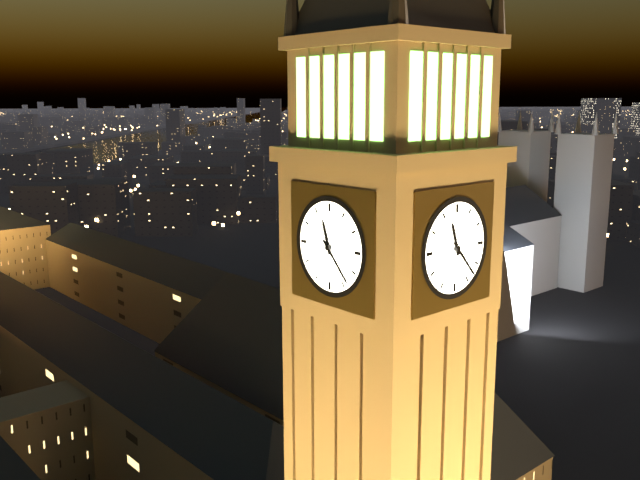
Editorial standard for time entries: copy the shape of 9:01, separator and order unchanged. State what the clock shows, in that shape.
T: 11:23
